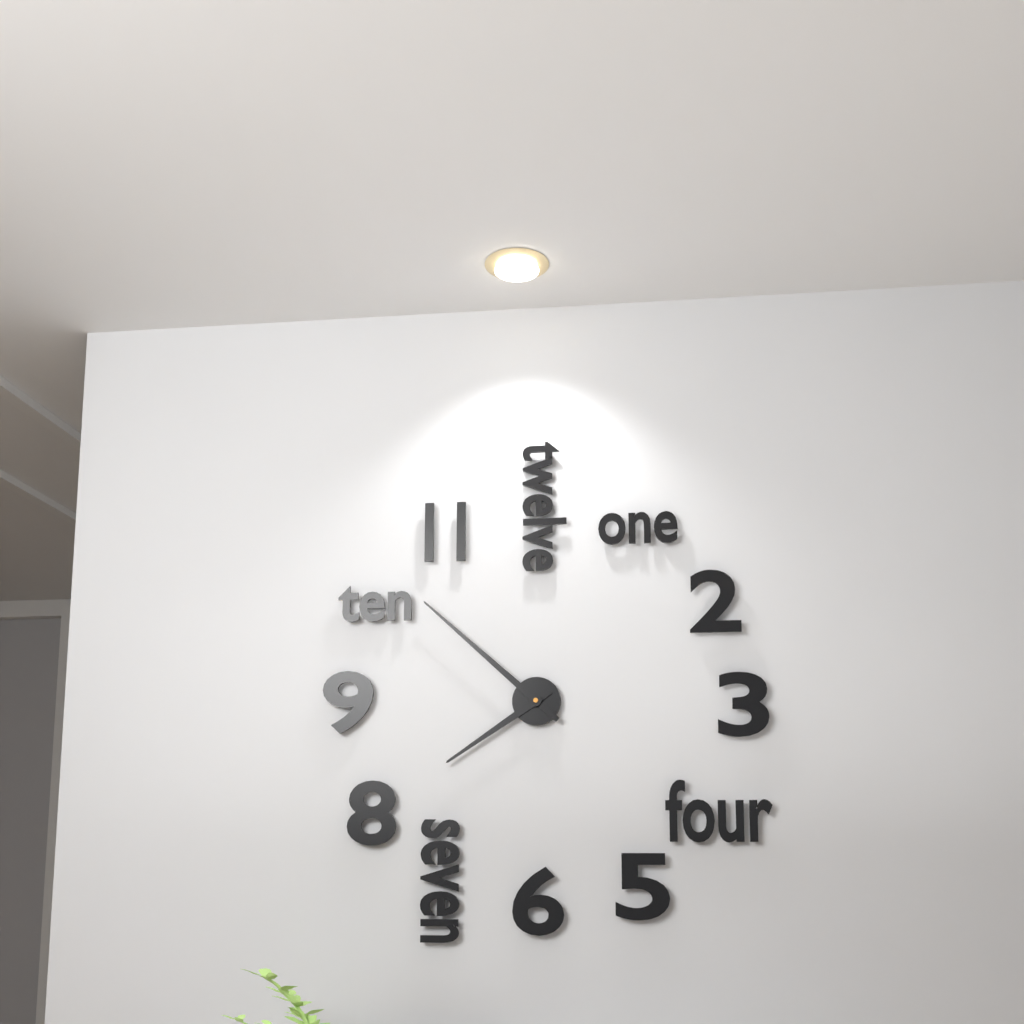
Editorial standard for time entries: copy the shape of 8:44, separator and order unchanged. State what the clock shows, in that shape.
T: 7:52
